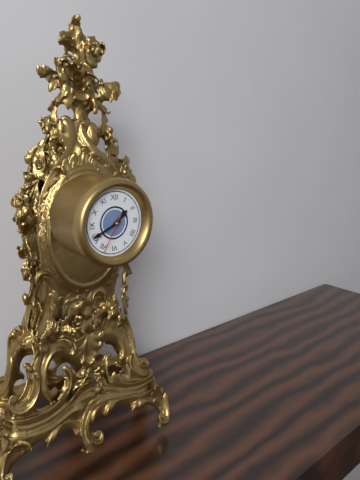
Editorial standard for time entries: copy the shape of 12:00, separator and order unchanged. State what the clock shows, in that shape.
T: 1:41
